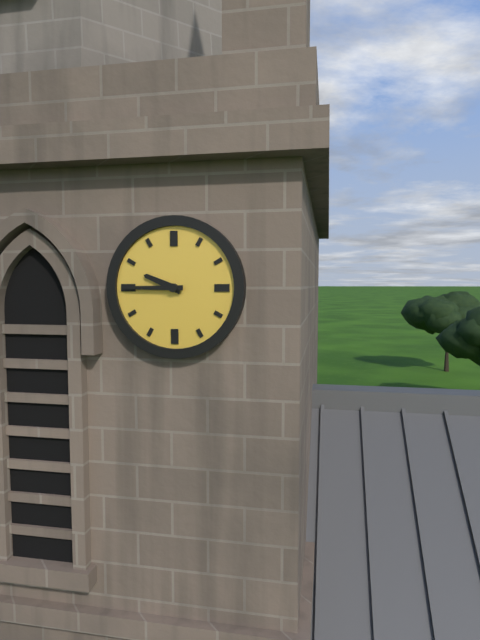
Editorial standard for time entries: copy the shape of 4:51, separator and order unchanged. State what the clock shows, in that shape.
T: 9:45
